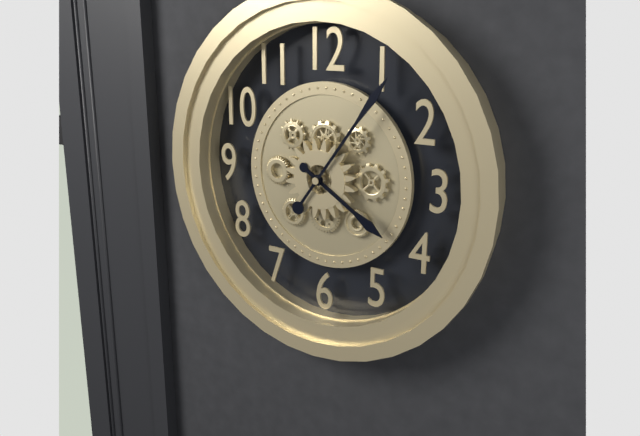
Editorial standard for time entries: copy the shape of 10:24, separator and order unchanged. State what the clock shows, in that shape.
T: 4:06
